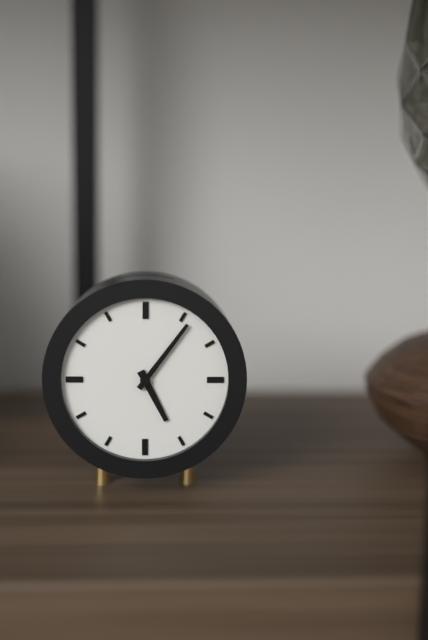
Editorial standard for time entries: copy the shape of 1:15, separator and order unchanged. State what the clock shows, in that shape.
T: 5:06
